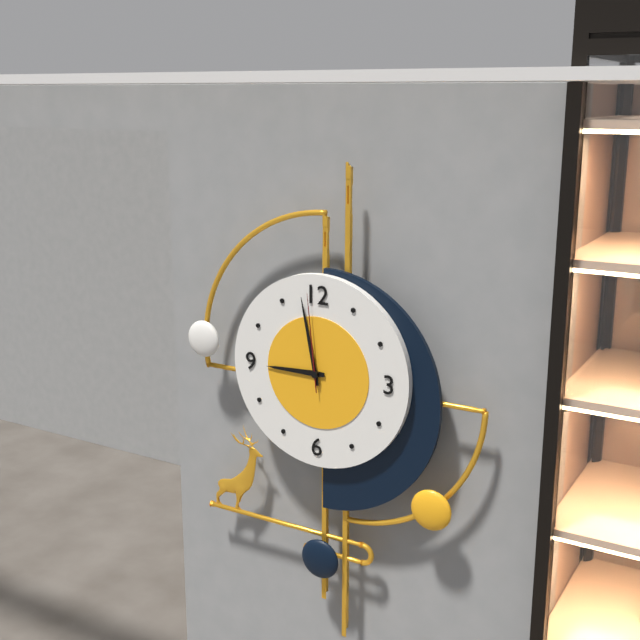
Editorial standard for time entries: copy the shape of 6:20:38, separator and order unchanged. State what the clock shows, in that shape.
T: 8:58:59
